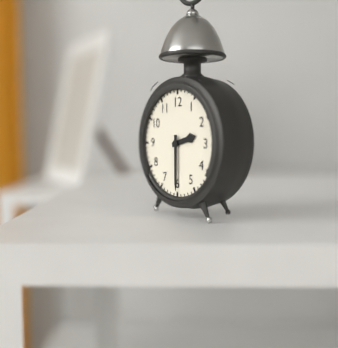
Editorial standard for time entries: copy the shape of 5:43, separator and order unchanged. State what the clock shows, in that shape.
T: 2:30
